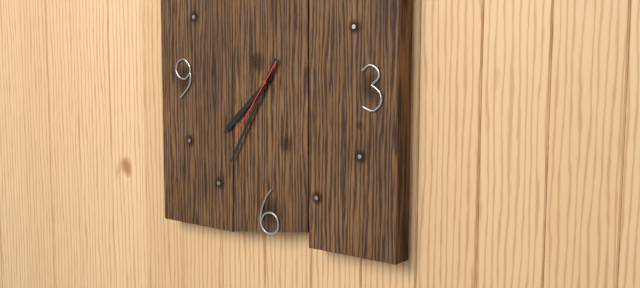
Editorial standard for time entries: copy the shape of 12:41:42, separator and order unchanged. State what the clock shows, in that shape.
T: 7:35:36
